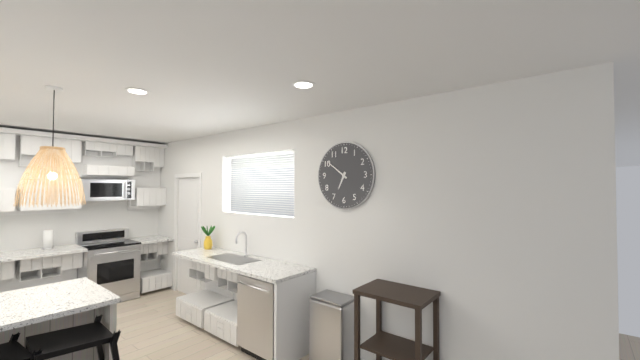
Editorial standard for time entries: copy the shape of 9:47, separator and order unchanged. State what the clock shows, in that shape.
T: 6:51
